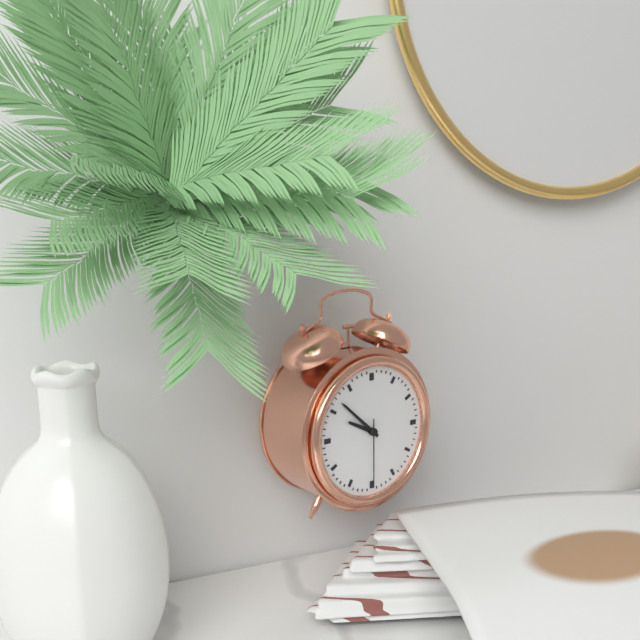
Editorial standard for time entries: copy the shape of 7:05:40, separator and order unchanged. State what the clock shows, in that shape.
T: 9:52:30
